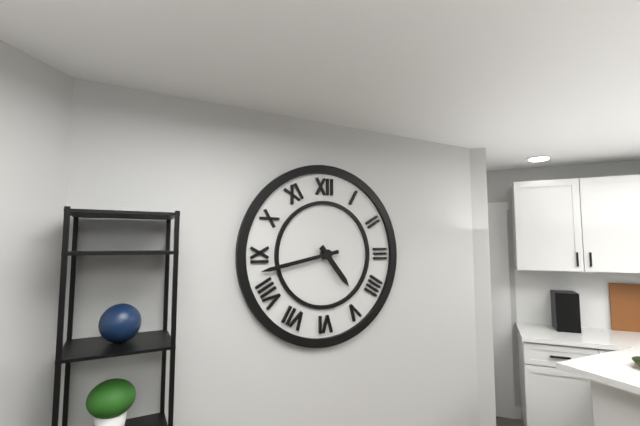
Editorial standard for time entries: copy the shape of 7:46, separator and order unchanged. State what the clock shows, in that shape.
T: 4:43
